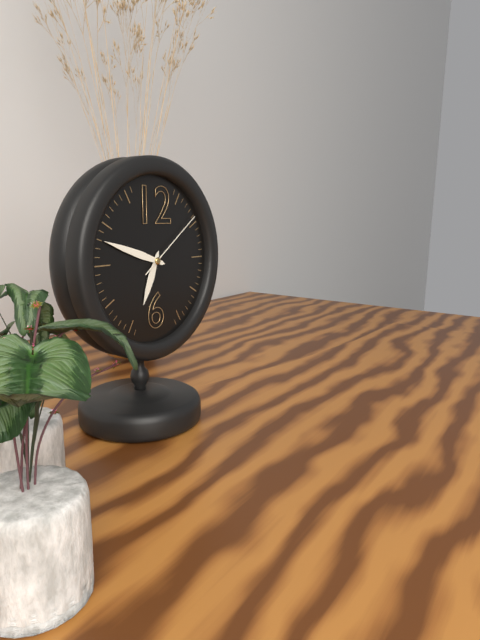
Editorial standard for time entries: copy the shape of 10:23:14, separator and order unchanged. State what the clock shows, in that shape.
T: 6:48:09
